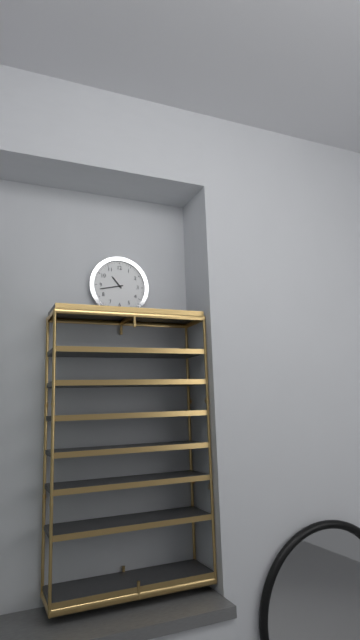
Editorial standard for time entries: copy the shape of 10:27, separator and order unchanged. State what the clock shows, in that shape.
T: 10:43
